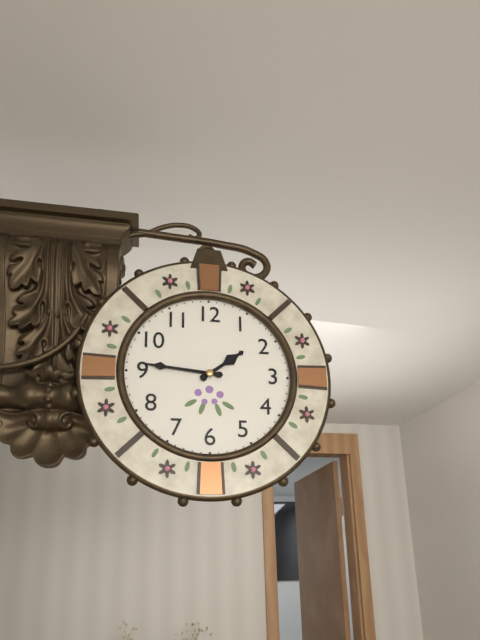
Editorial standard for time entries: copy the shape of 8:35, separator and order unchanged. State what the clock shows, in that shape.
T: 1:46
